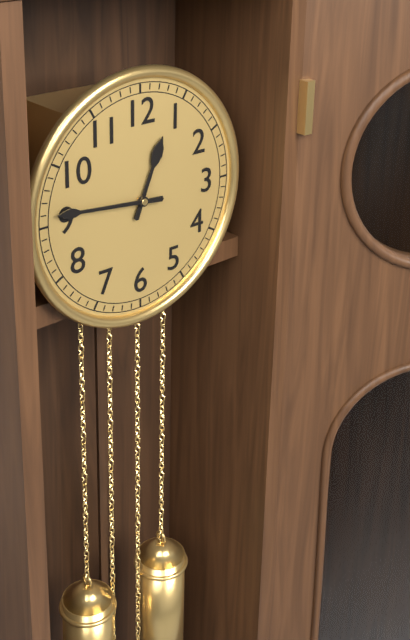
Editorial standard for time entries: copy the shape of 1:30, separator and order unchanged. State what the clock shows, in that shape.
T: 12:46
